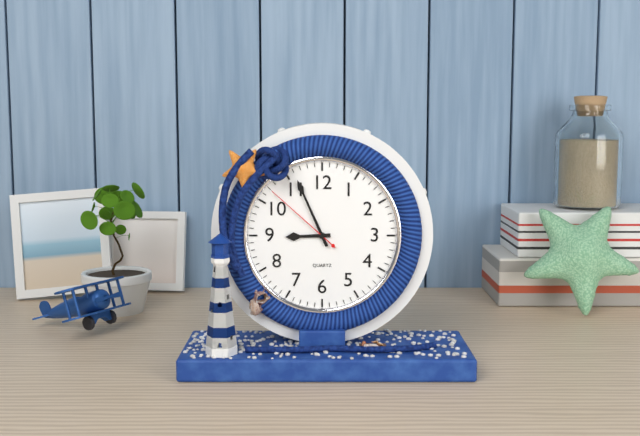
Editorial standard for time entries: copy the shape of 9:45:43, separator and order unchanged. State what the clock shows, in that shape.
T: 8:56:52
